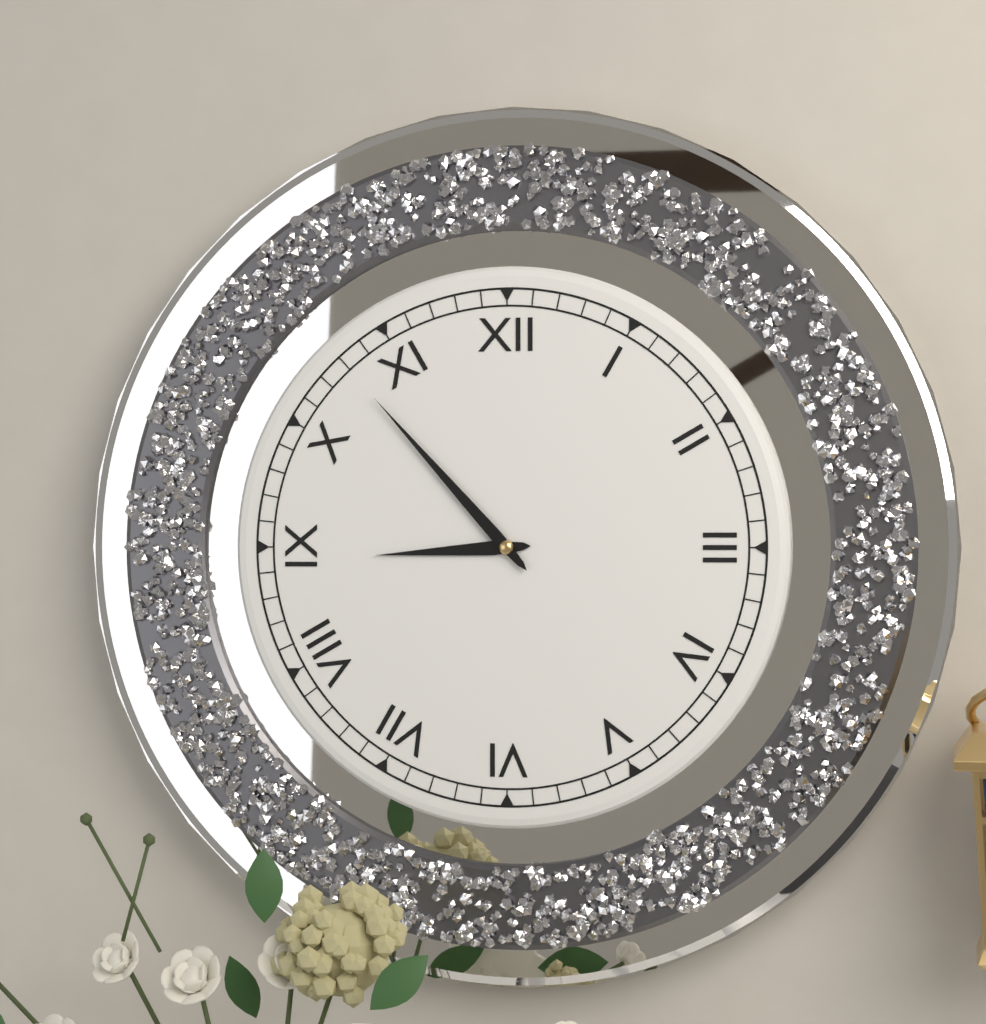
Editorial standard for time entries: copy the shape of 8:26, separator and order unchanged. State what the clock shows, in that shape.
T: 8:53
